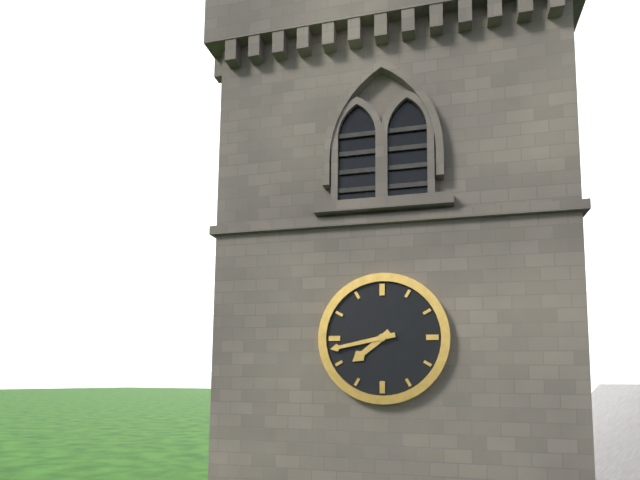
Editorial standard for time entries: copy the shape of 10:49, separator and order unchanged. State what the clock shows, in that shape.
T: 7:43
